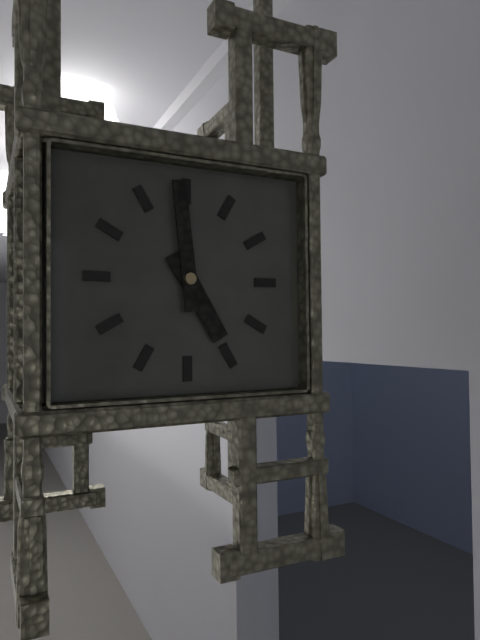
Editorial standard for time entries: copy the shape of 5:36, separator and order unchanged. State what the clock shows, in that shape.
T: 4:59
